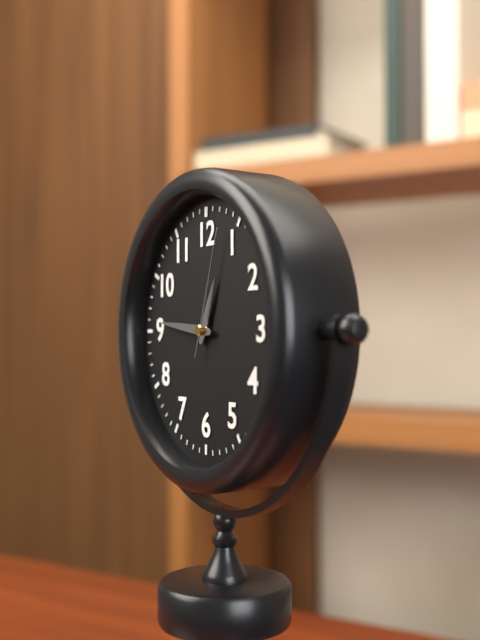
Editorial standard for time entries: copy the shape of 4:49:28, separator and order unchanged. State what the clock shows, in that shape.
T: 12:46:03
